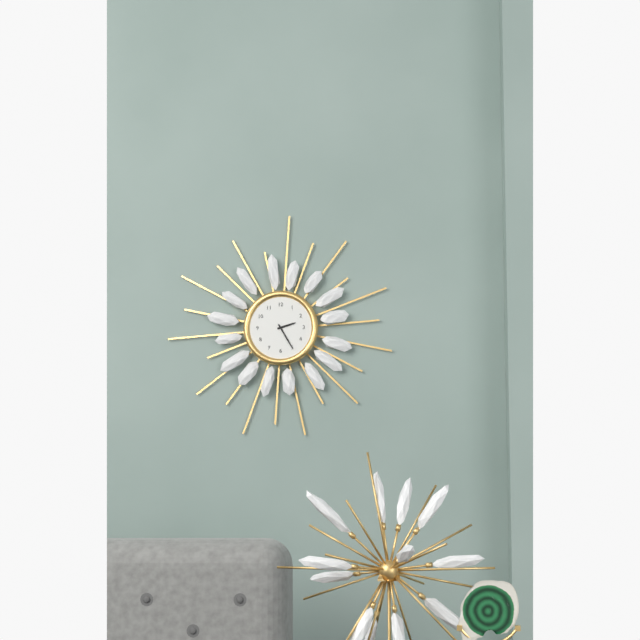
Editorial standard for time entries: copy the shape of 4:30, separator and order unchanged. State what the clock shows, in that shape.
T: 2:25
